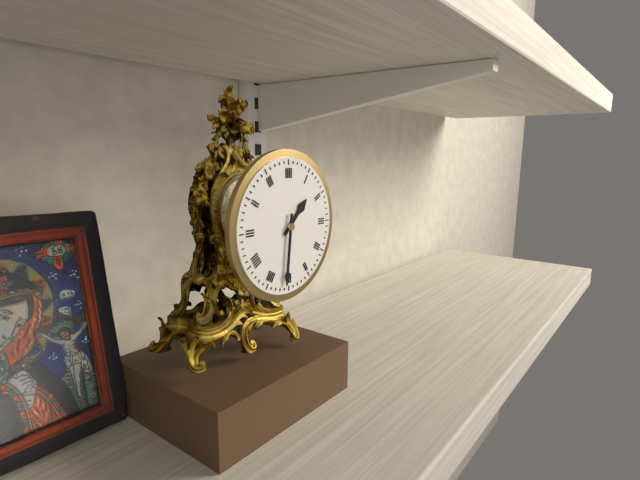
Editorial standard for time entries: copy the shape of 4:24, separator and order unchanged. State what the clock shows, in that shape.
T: 1:31
